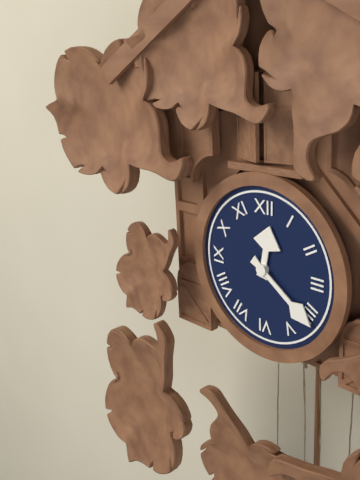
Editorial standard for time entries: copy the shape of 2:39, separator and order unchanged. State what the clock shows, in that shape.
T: 12:21
